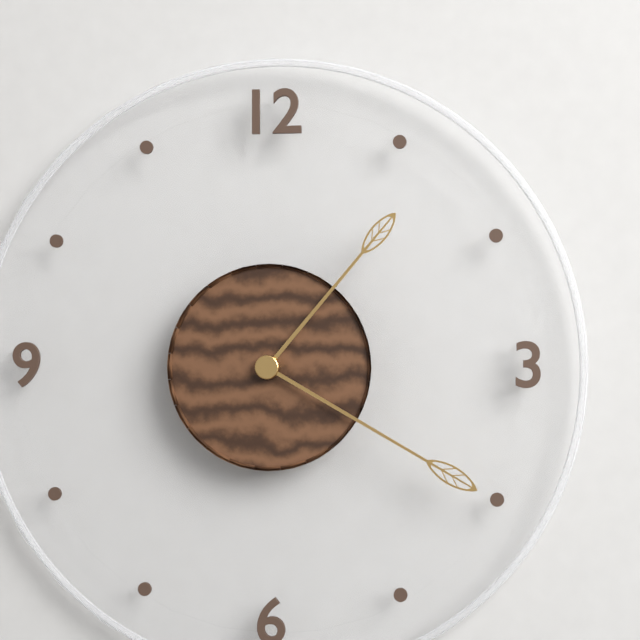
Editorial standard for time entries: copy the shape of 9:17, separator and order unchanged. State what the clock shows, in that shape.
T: 1:20
